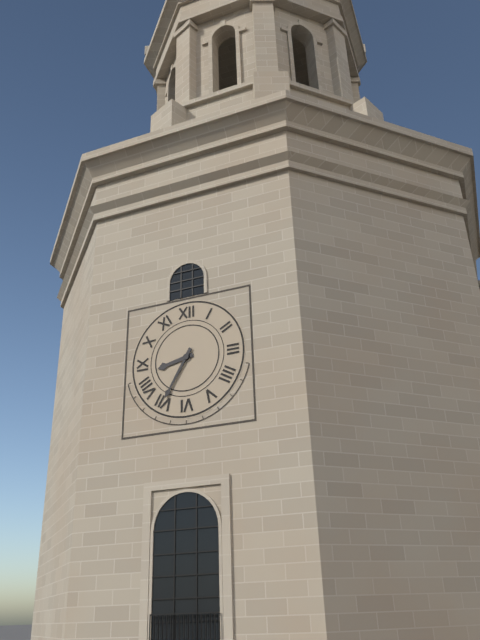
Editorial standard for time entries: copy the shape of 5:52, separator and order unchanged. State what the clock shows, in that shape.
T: 8:35
